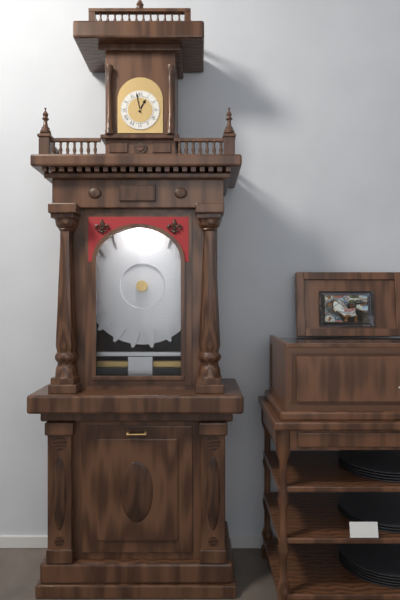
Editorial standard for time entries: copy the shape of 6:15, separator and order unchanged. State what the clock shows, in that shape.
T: 12:58
